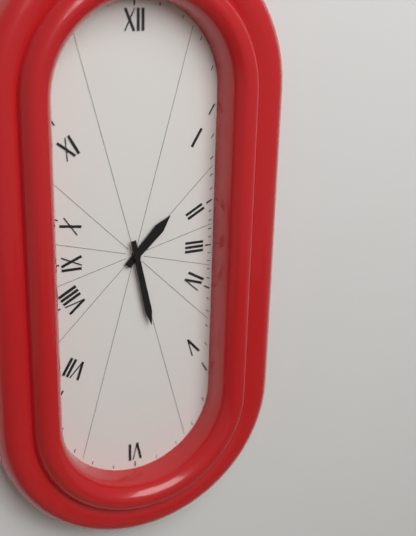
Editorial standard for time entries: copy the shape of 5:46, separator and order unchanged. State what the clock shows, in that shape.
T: 1:28
